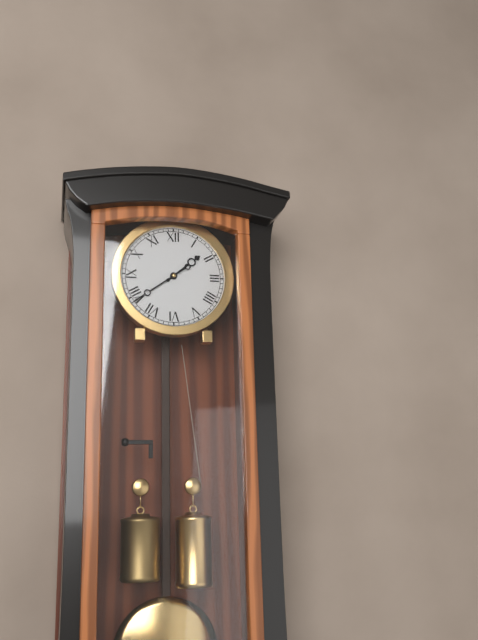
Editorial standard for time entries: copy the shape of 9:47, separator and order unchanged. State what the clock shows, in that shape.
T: 1:39
